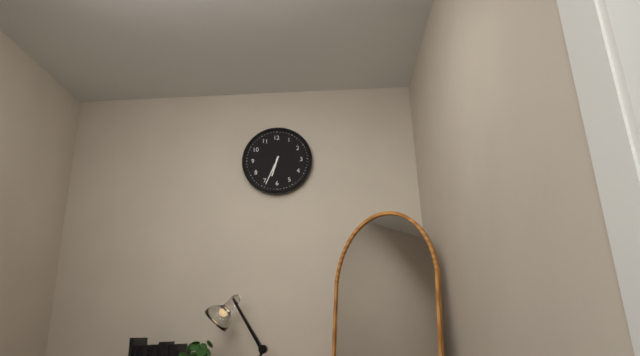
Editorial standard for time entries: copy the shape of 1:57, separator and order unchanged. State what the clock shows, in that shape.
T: 6:34
